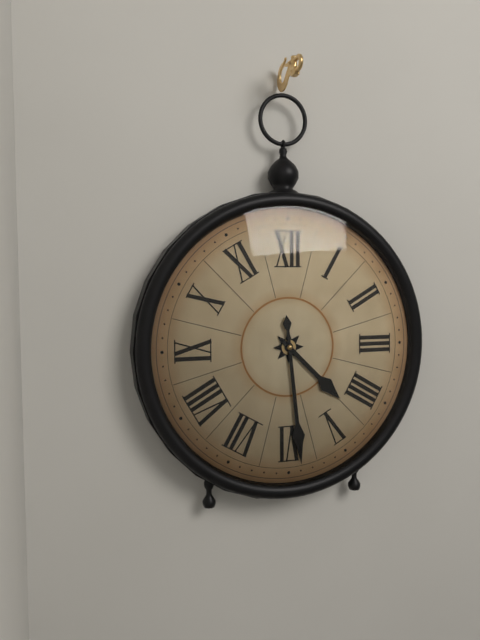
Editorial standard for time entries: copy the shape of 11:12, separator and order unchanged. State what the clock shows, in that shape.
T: 4:29
